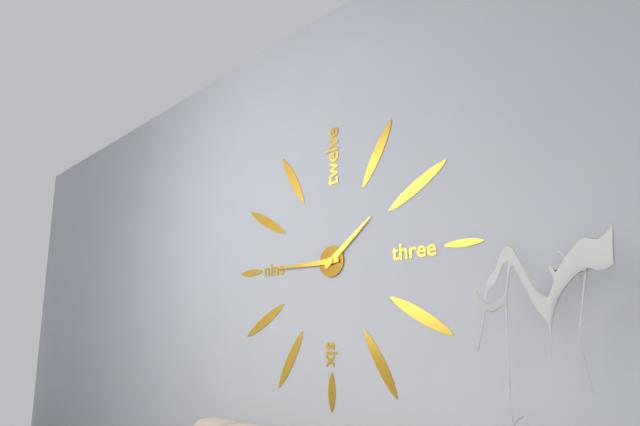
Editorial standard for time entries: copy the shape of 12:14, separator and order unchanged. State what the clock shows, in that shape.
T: 1:45
